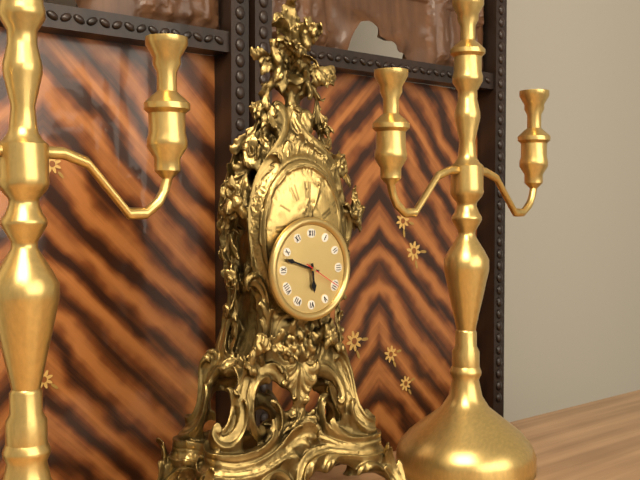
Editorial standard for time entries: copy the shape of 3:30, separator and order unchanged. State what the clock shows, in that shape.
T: 5:48
